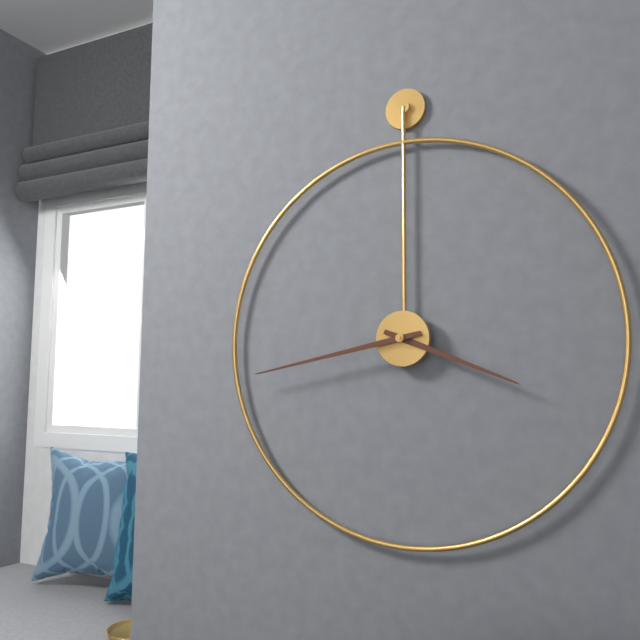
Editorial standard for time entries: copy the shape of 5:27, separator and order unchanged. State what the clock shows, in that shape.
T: 3:43
